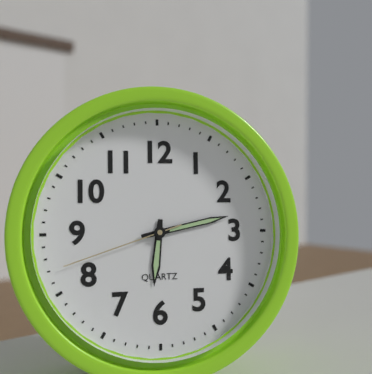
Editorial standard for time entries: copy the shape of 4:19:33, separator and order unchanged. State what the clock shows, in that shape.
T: 6:13:42
